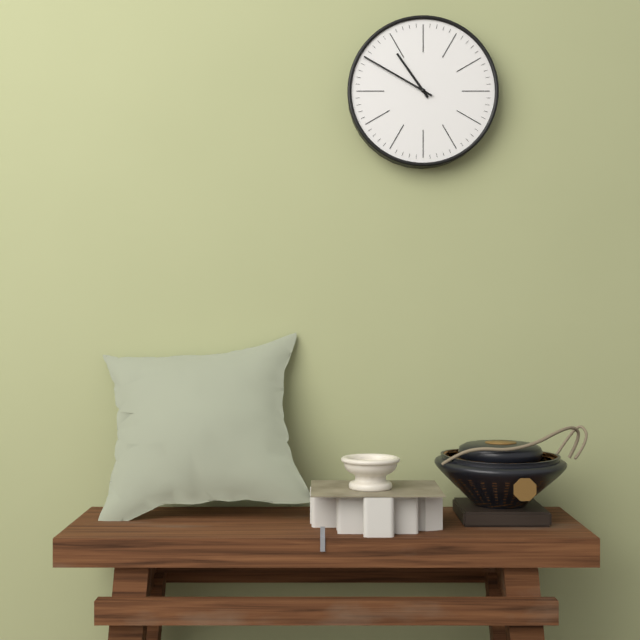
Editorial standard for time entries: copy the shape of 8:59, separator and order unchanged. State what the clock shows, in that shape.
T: 10:50
